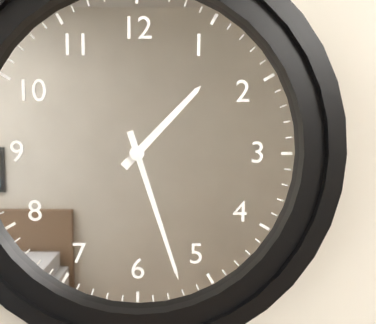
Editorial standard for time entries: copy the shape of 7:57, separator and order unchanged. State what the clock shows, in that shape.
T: 1:27
